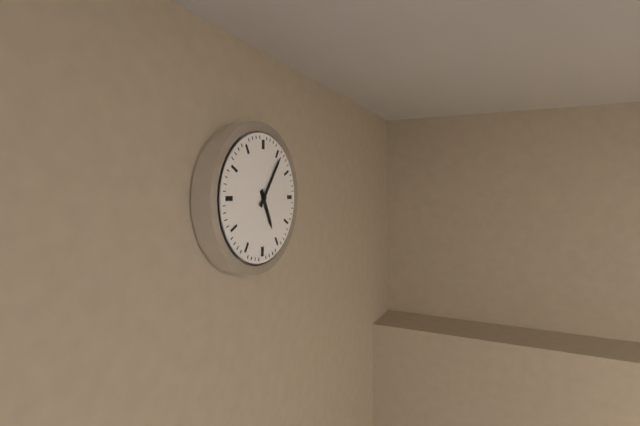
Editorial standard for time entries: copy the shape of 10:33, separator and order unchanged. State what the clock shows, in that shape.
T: 5:06
